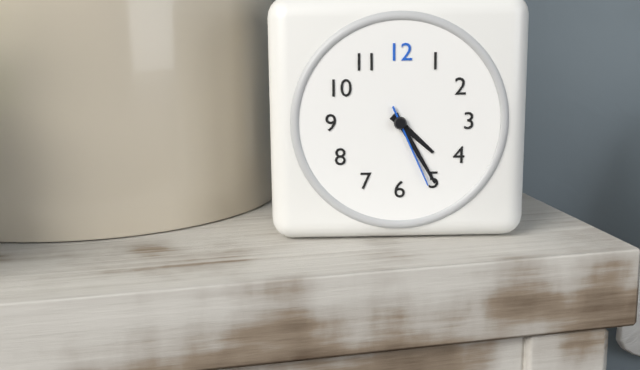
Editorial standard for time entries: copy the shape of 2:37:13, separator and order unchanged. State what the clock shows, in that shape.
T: 4:25:26
